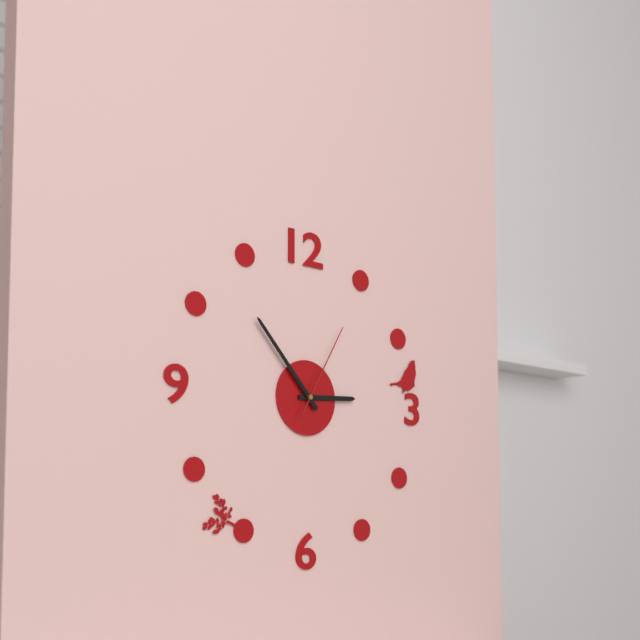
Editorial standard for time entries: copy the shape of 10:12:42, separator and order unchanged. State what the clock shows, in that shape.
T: 2:53:05
